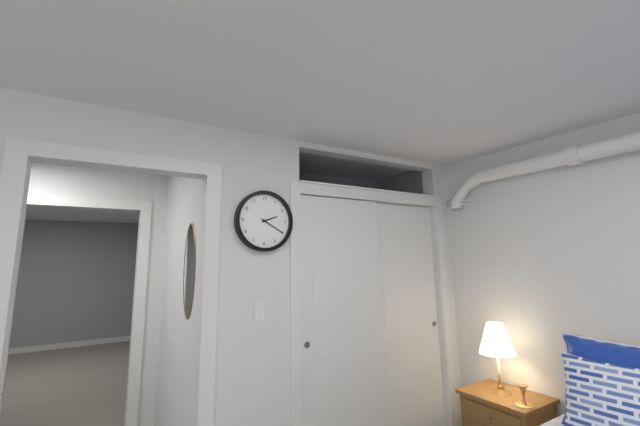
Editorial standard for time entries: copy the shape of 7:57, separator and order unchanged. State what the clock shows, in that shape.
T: 2:20
